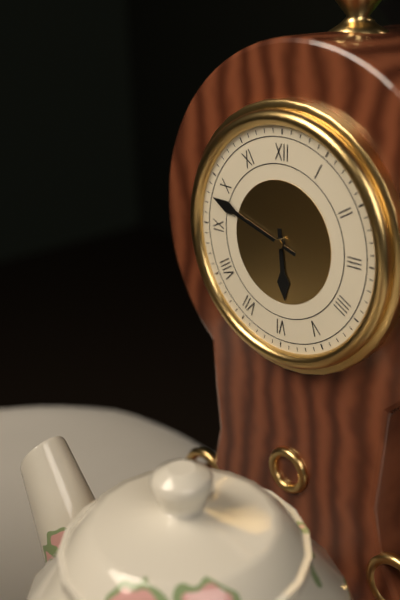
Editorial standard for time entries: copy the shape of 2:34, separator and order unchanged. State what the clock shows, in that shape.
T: 5:48
